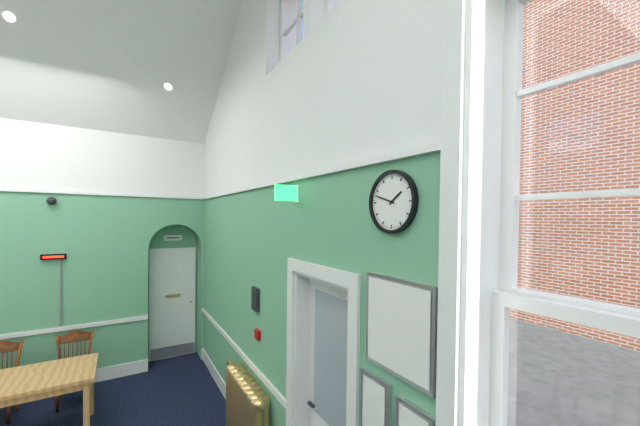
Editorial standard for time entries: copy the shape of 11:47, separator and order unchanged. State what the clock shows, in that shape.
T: 1:48
